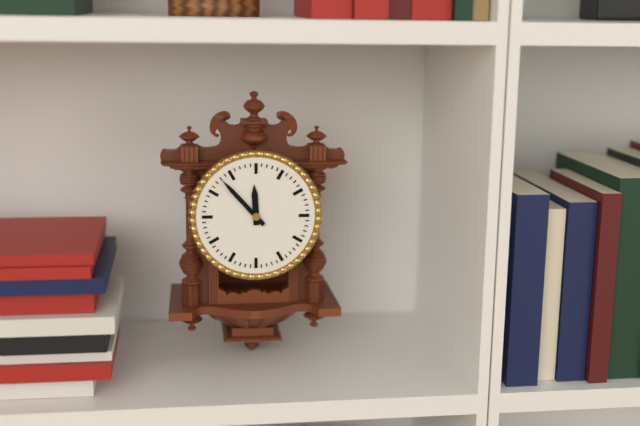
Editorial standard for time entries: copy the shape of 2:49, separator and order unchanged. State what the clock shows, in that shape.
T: 11:53
